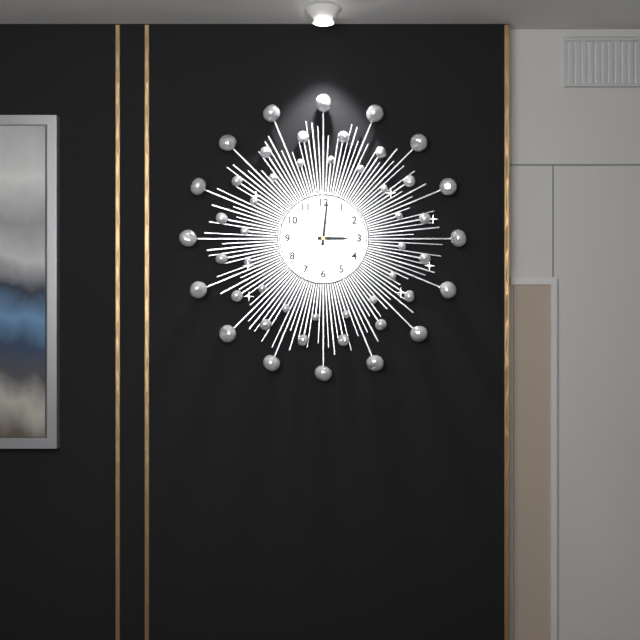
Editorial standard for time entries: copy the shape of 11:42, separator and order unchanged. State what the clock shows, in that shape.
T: 3:01
